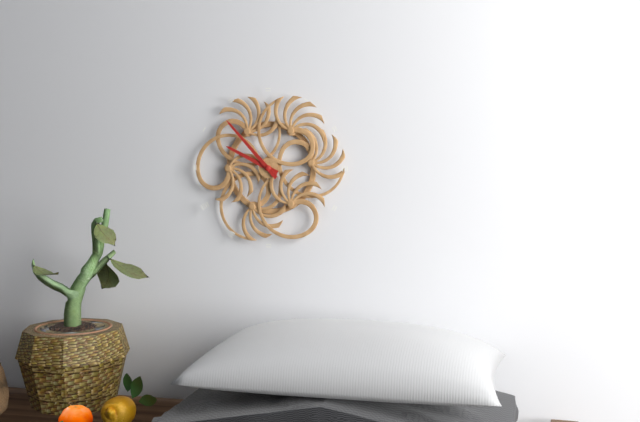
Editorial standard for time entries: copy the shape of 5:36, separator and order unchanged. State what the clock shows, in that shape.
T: 9:53
